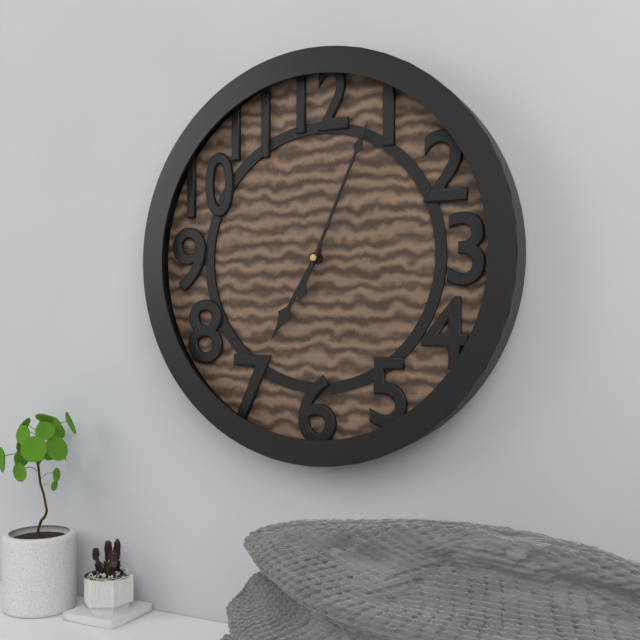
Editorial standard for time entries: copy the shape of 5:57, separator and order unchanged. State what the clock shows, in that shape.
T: 7:04
